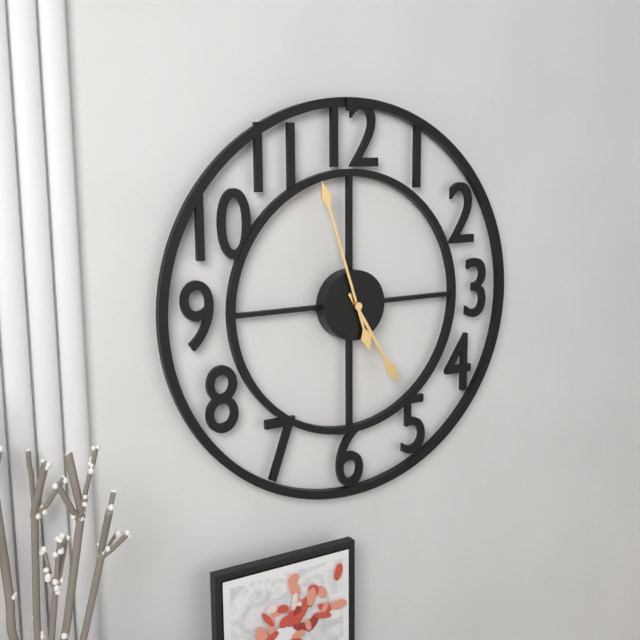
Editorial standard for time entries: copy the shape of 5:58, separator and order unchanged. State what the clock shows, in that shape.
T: 4:57
